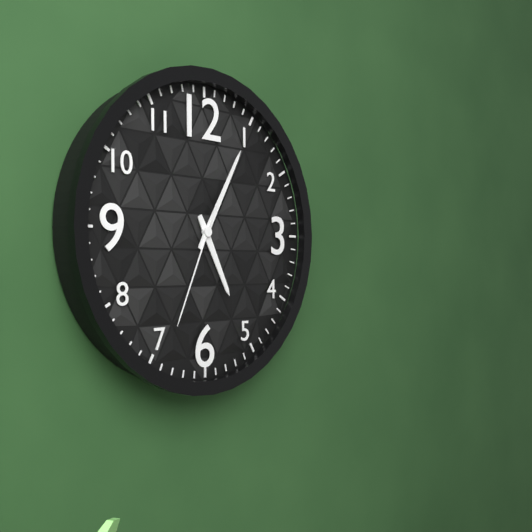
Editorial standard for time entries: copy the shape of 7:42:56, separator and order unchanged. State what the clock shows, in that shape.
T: 5:05:34
